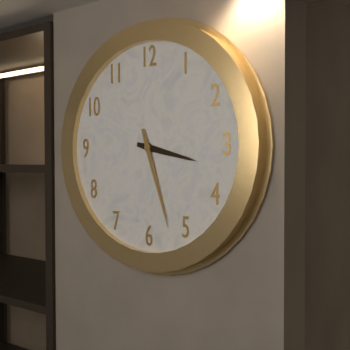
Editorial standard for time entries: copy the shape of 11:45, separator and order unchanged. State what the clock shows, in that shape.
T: 3:27
